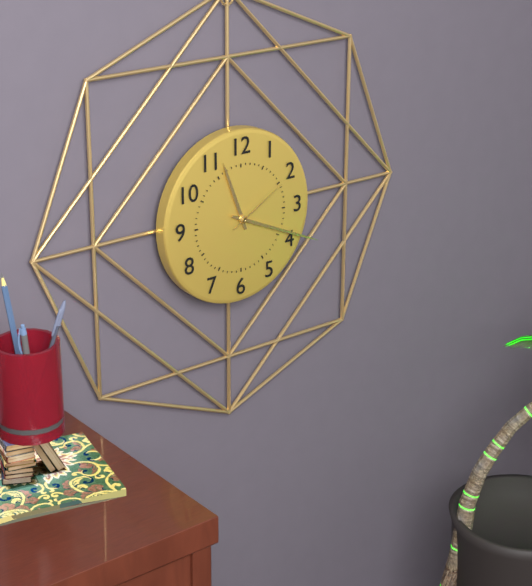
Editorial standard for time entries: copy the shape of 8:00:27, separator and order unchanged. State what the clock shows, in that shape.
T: 11:19:10
